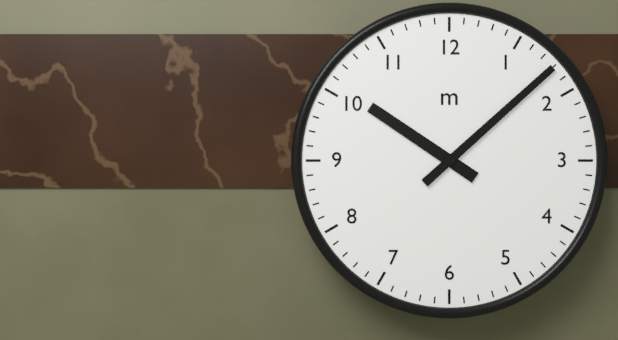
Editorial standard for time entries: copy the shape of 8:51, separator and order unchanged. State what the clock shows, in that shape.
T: 10:08
